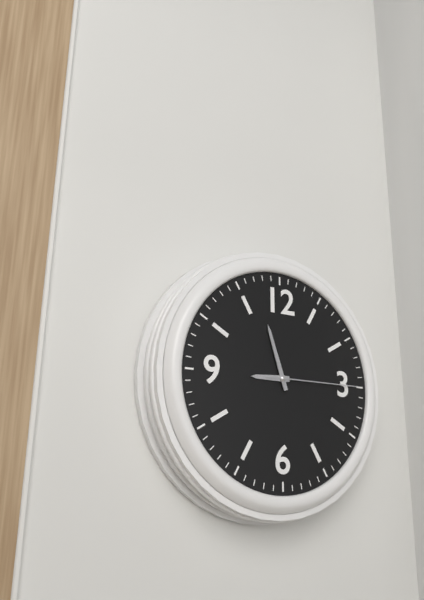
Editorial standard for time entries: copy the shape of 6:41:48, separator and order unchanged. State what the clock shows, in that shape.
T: 8:57:15
